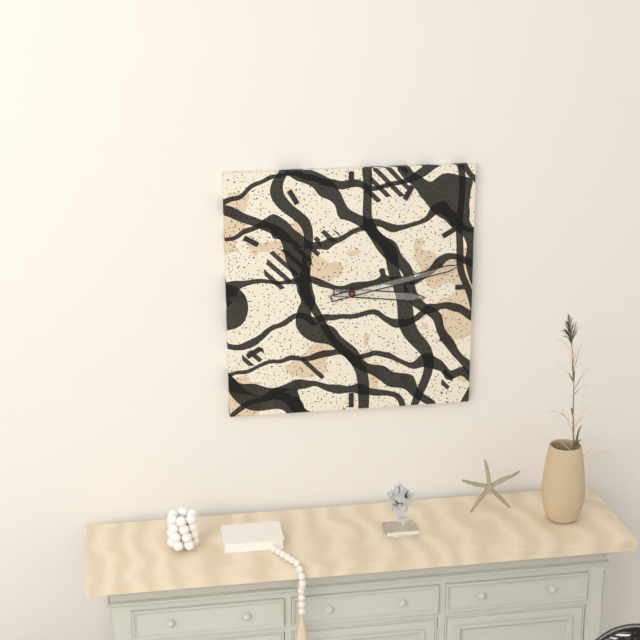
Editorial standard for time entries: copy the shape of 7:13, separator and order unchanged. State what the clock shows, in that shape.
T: 3:13
